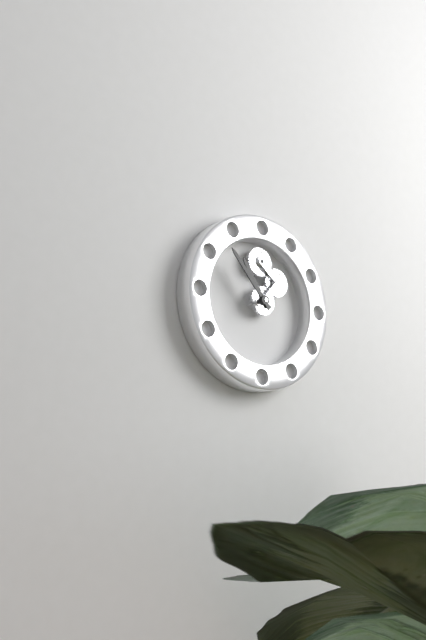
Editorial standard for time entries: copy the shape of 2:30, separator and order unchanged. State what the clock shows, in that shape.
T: 10:53
